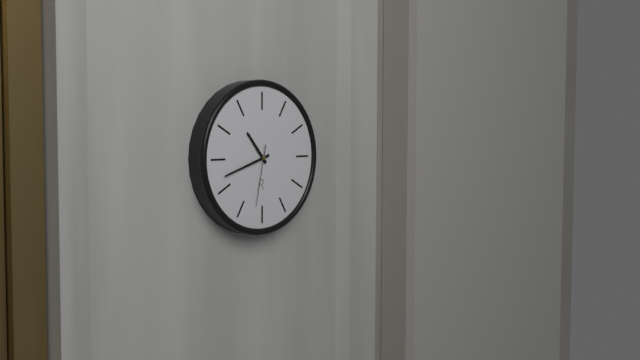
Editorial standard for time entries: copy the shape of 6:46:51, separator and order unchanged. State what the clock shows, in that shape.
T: 10:42:32
